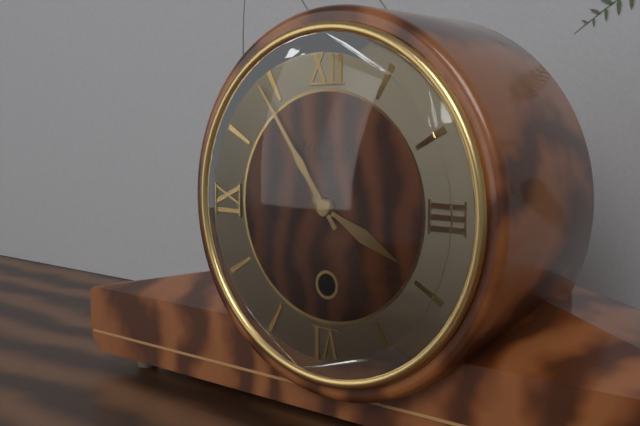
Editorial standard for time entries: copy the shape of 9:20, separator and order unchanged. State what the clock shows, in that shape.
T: 3:54
